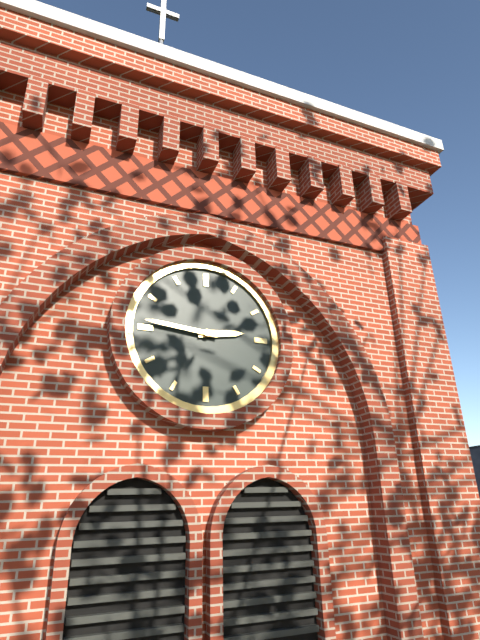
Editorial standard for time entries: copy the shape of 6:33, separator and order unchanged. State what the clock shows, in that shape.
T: 2:46
